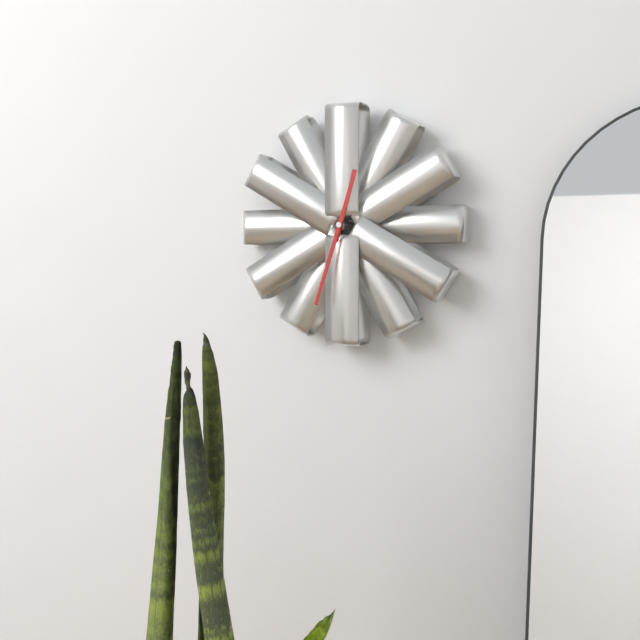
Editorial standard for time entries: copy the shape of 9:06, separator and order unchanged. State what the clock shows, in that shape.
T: 12:33
